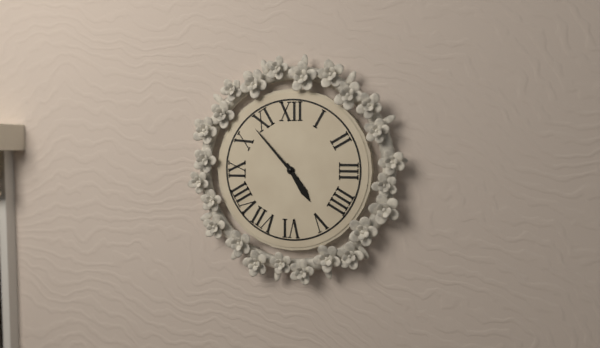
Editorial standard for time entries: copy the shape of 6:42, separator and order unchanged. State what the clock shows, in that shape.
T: 4:53
